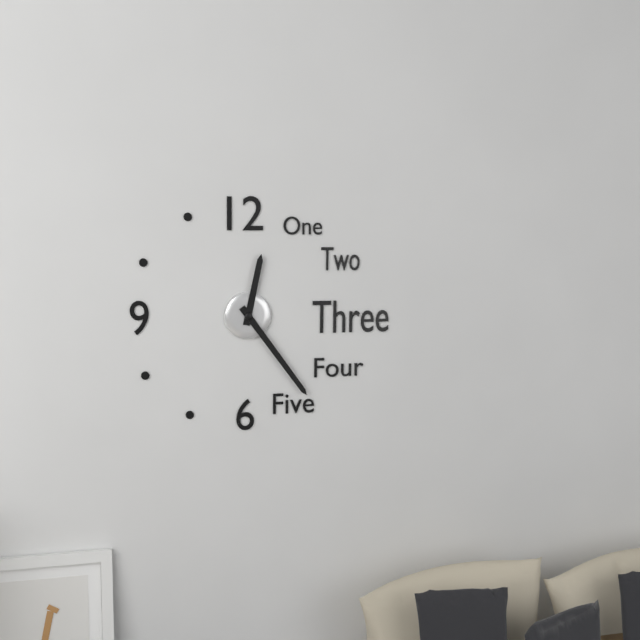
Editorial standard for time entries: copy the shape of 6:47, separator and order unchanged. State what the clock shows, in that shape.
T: 12:24
